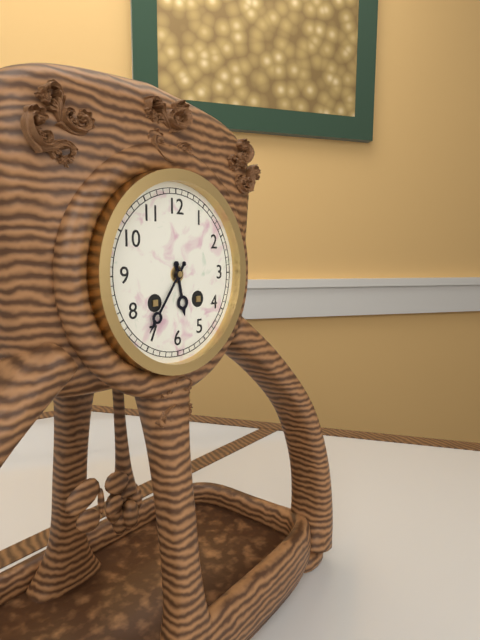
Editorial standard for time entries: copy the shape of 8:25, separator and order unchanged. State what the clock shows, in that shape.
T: 5:36
